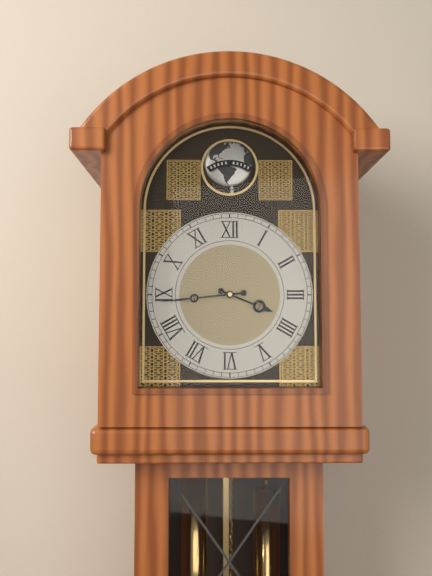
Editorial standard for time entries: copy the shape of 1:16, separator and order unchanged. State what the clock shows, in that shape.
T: 3:44
